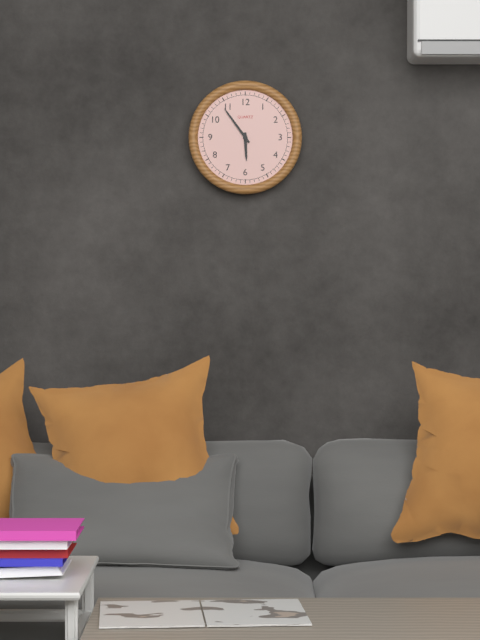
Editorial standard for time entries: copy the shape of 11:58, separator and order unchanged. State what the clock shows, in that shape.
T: 5:54
